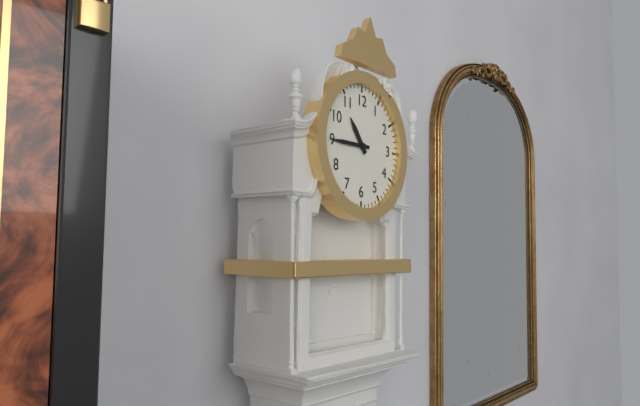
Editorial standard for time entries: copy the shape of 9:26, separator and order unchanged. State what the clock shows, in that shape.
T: 10:45
